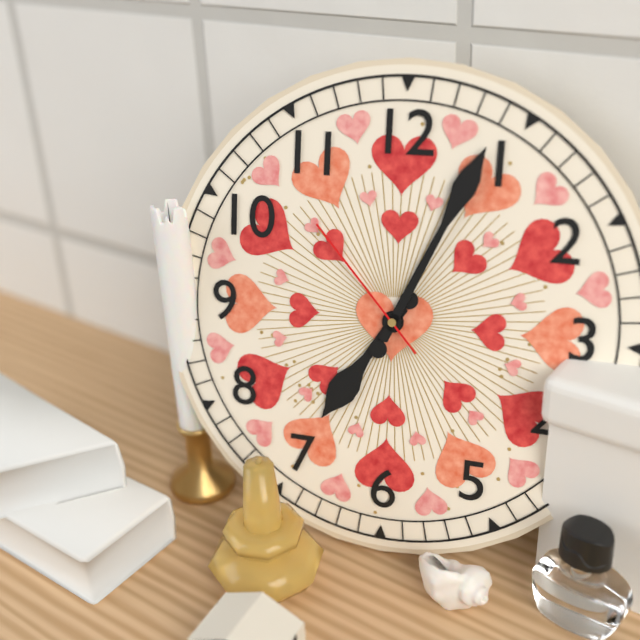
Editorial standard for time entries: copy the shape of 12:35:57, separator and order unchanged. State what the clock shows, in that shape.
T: 7:04:53
